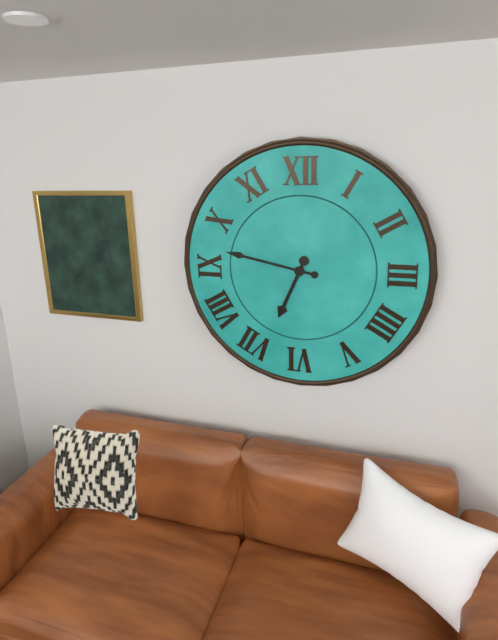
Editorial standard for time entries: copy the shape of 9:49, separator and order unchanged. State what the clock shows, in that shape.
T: 6:47
